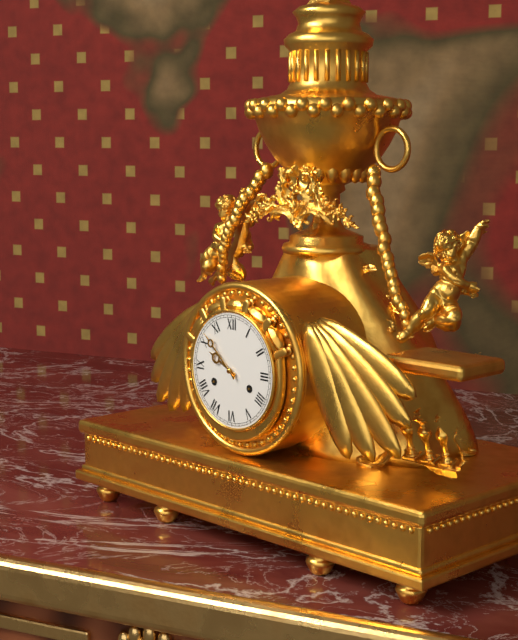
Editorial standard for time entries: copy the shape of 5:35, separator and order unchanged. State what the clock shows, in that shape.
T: 9:52
